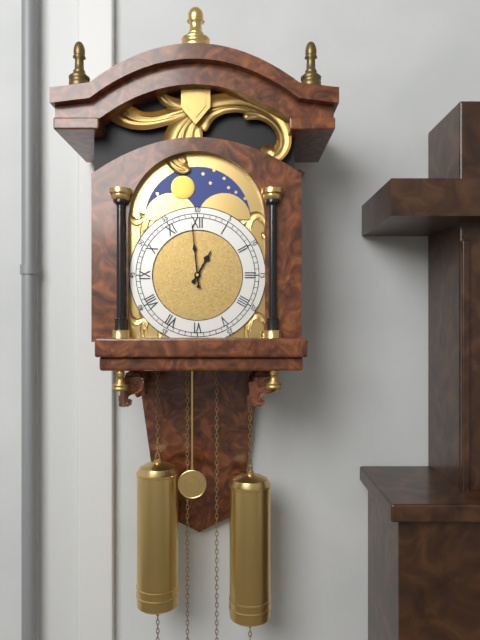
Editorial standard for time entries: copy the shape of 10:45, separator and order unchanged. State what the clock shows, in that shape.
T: 12:59
